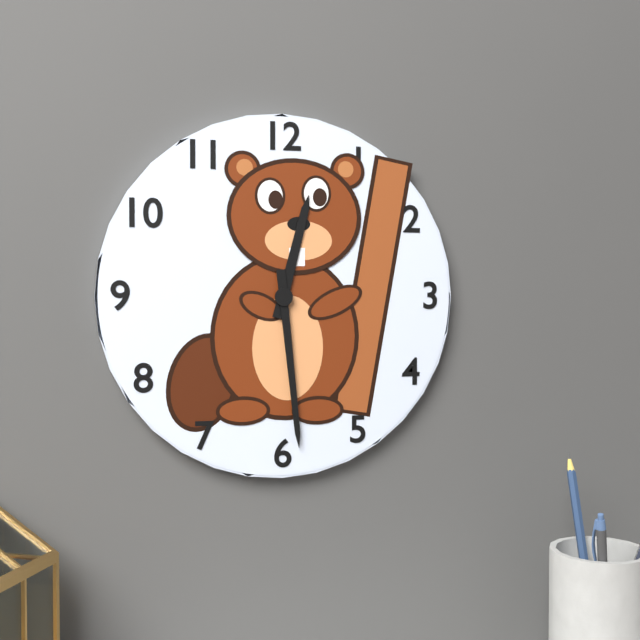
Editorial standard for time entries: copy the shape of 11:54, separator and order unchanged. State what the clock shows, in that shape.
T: 12:29
